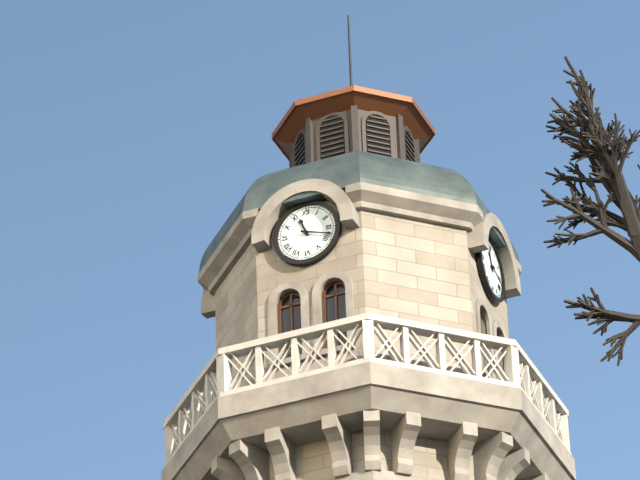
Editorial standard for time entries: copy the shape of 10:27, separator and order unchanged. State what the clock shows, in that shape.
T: 11:18
